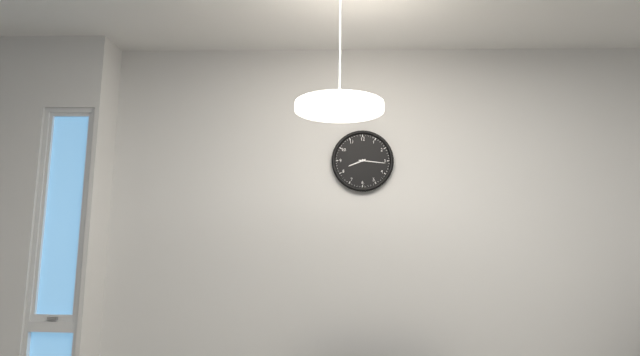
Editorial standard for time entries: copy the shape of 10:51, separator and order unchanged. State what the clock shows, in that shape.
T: 8:16
